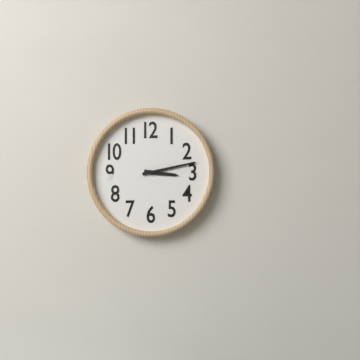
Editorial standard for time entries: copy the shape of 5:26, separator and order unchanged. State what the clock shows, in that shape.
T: 3:13
